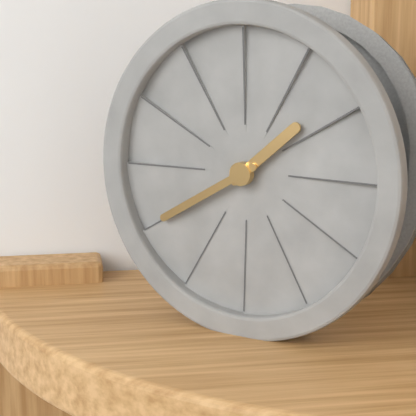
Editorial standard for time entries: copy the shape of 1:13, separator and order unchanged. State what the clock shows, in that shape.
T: 1:40
